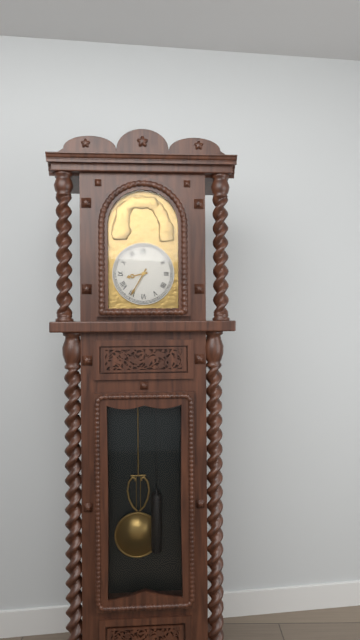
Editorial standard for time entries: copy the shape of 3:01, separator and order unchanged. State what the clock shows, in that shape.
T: 8:35
